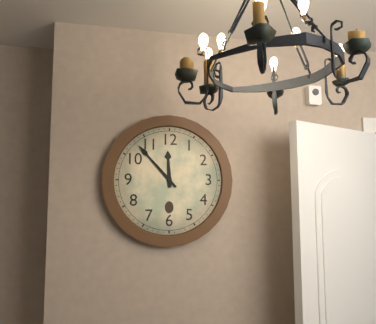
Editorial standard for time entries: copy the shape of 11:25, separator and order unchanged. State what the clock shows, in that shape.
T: 11:53
